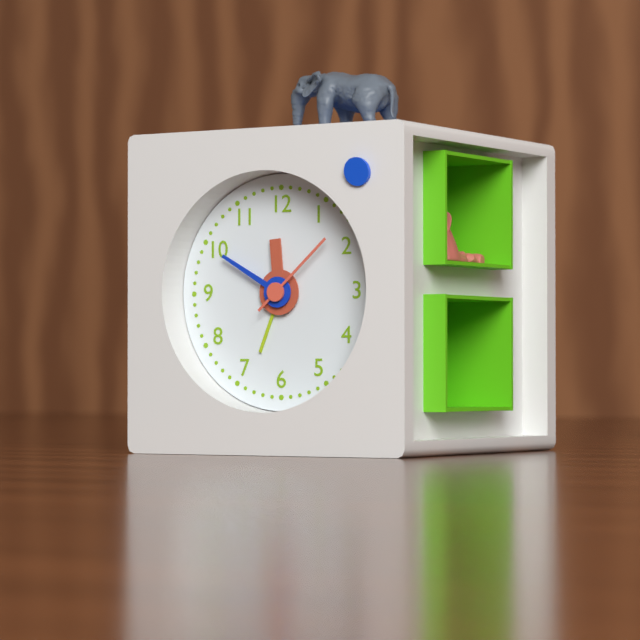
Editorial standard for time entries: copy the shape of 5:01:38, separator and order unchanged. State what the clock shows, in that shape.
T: 11:50:08
